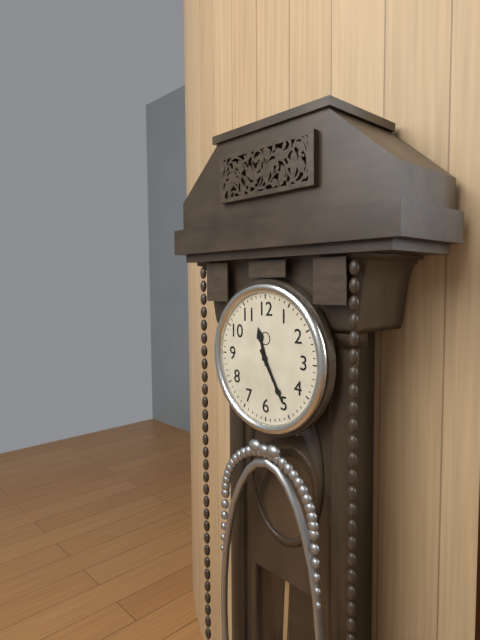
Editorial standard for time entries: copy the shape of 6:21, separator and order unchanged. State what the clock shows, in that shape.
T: 11:25
